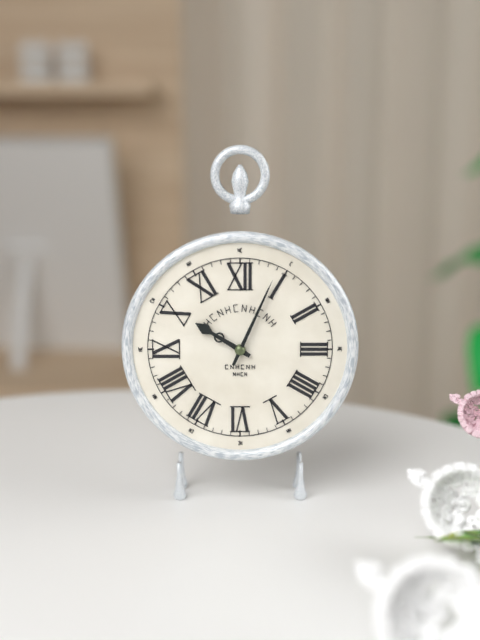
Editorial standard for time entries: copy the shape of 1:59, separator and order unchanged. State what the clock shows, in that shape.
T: 10:04
